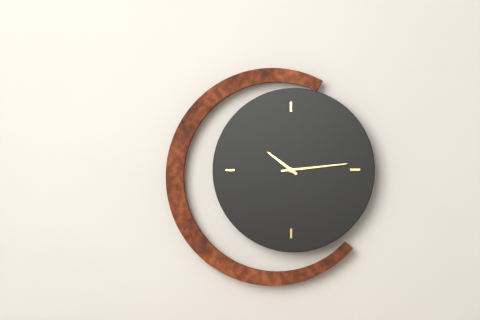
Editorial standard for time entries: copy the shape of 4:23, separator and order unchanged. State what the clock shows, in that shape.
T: 10:14
